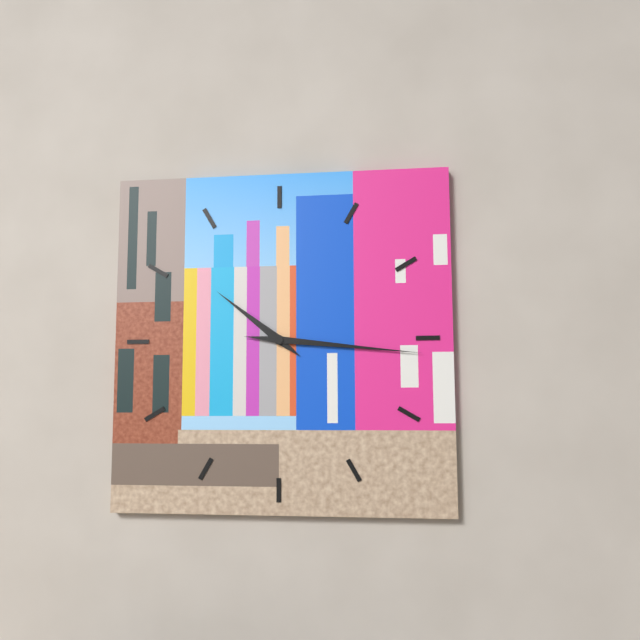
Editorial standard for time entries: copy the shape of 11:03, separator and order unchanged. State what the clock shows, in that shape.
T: 10:16
